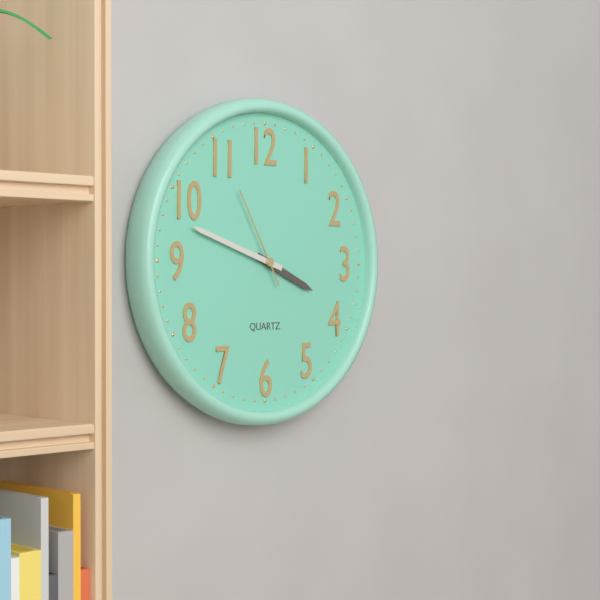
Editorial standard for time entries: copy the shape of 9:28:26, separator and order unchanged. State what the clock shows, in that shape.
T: 3:48:55
